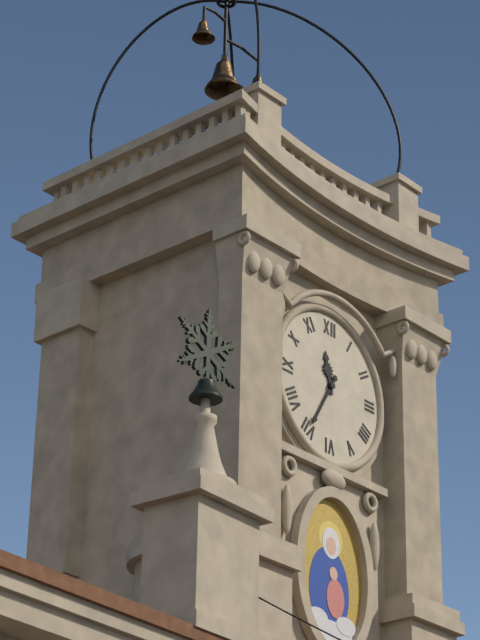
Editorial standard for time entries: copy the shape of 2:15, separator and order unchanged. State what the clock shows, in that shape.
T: 11:35
